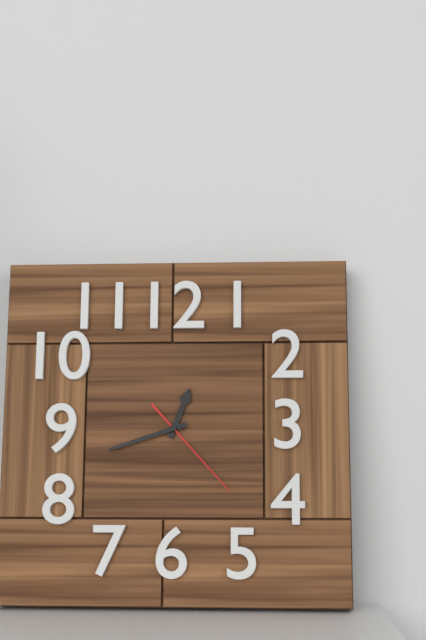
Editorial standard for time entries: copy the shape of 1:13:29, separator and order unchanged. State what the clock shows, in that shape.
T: 12:42:23
